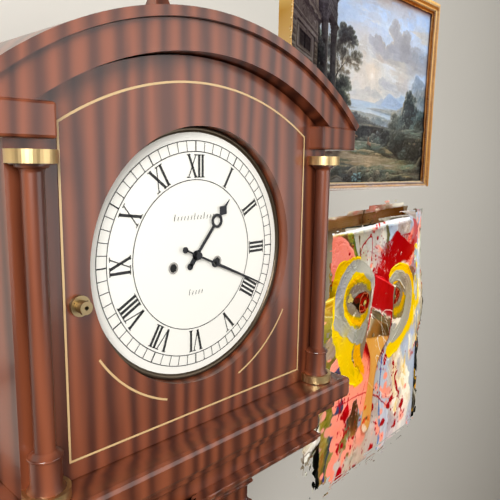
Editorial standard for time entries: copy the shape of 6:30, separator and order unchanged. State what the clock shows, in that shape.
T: 1:19
